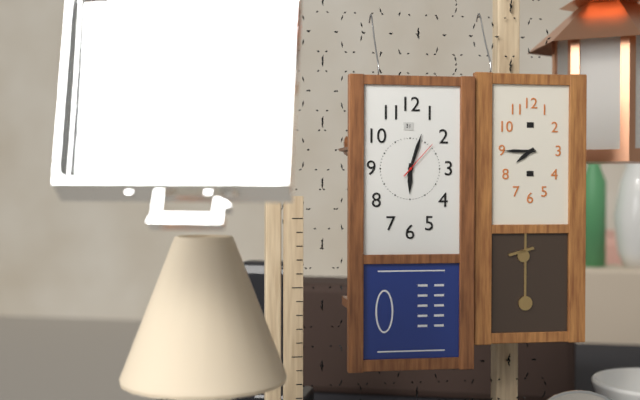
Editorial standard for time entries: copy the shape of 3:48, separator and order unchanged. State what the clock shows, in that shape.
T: 6:03
